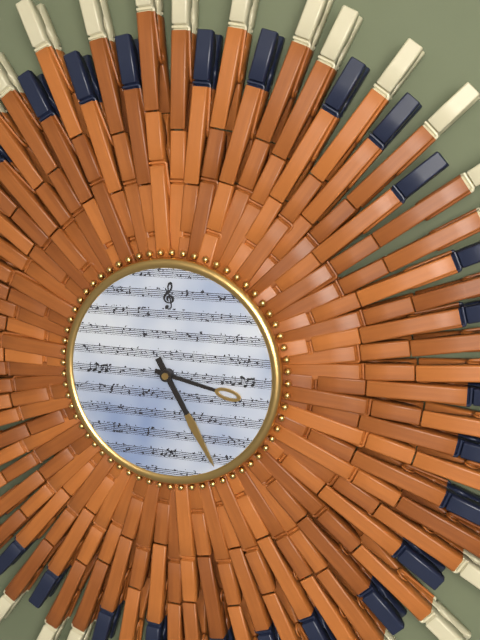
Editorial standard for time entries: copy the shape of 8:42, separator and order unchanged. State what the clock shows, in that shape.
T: 3:25
